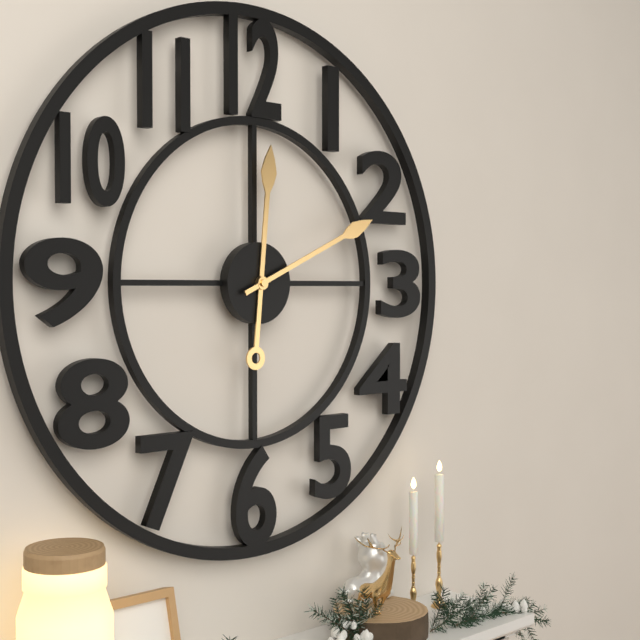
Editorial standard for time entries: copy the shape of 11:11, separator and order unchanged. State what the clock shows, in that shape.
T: 12:11
